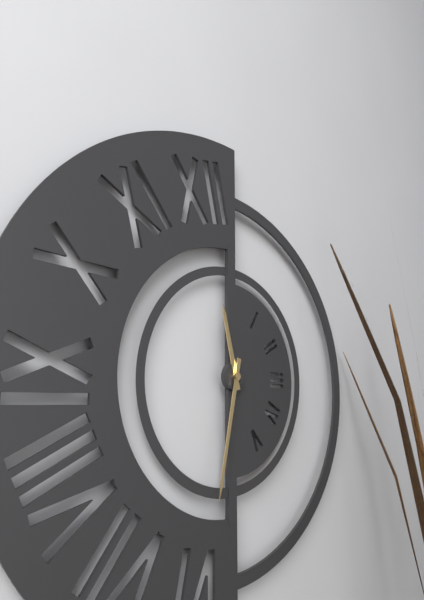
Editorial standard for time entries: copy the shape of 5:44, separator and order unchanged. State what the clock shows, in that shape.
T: 11:32
